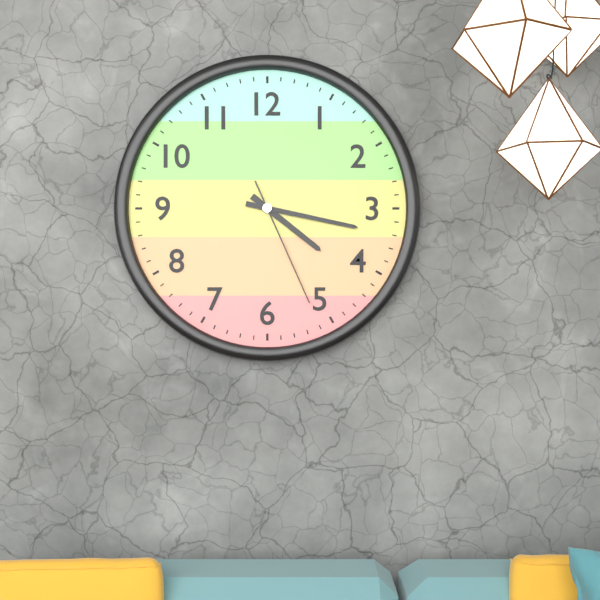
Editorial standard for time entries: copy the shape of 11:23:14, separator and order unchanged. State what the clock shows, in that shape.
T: 4:17:26
